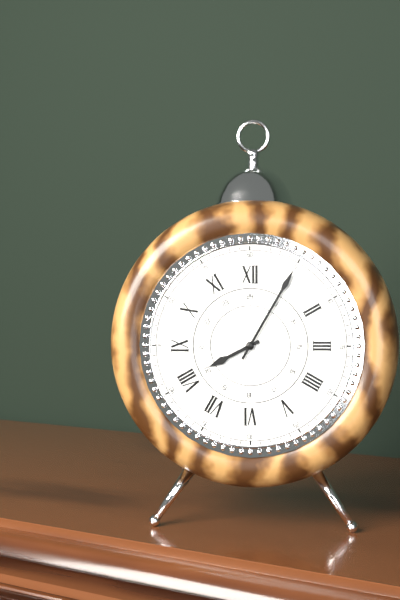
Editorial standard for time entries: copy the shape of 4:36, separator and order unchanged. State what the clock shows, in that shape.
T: 8:05
